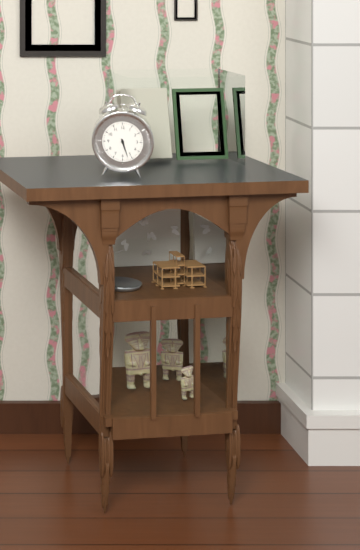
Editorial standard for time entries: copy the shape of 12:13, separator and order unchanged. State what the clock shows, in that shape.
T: 5:27
